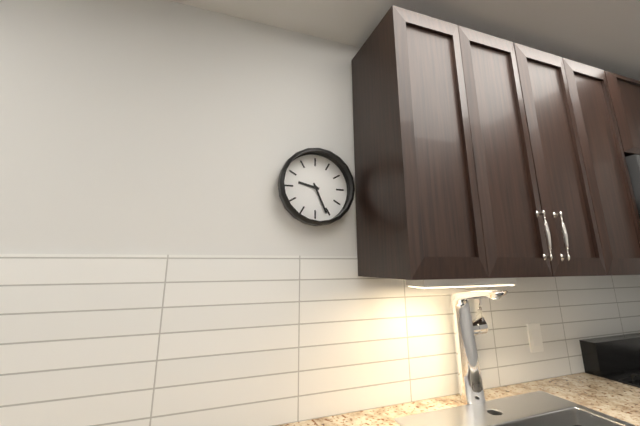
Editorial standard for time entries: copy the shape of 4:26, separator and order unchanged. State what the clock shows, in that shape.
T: 9:26
